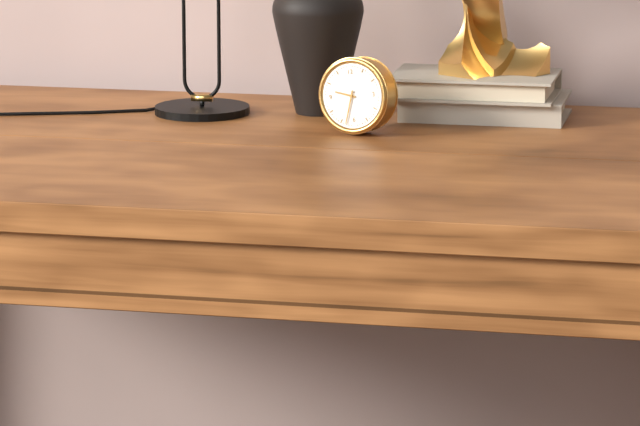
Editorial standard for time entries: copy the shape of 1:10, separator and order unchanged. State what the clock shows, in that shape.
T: 9:33
